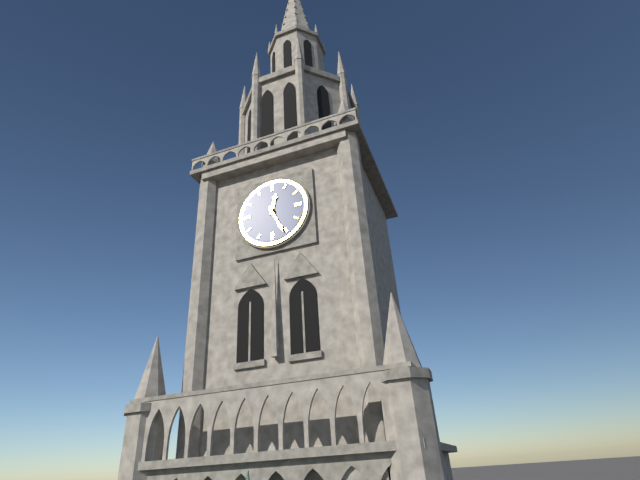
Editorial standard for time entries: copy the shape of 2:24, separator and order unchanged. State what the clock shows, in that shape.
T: 12:26
